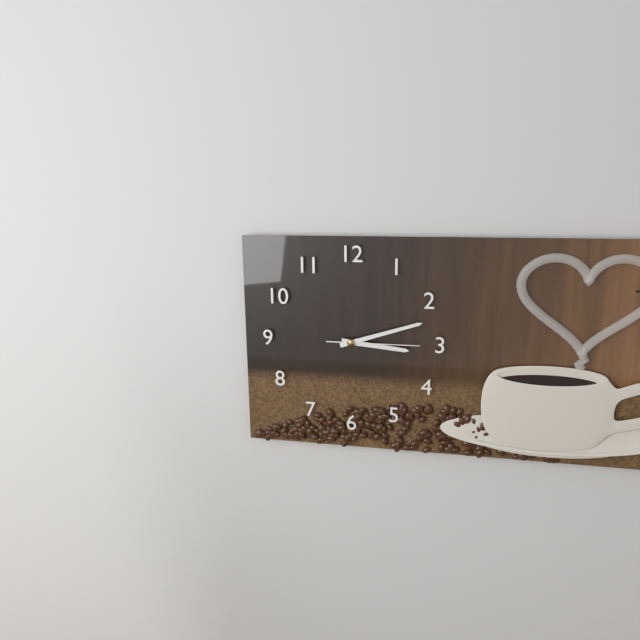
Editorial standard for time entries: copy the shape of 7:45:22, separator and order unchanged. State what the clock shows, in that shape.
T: 3:12:15
